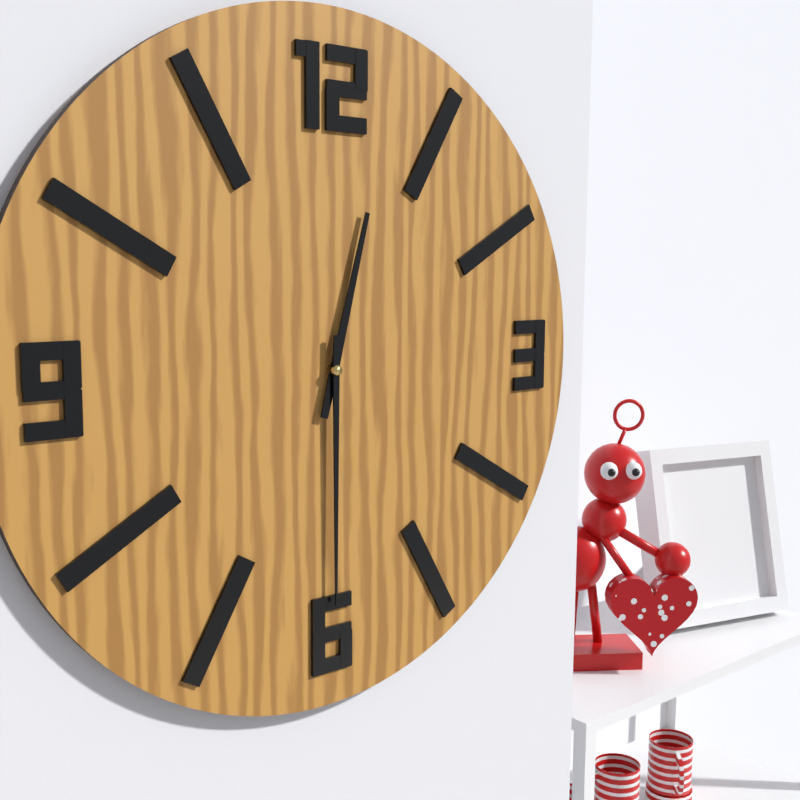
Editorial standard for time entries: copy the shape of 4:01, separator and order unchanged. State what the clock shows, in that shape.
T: 12:30
